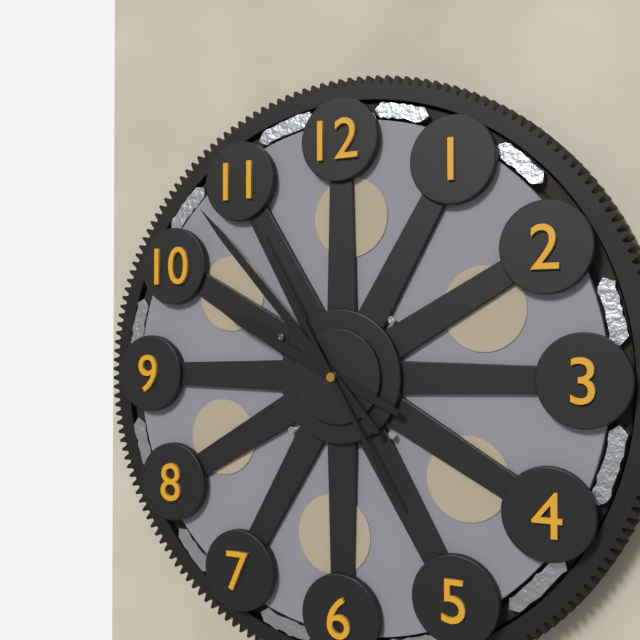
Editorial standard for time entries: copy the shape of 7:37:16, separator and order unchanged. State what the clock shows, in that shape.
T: 9:53:55
